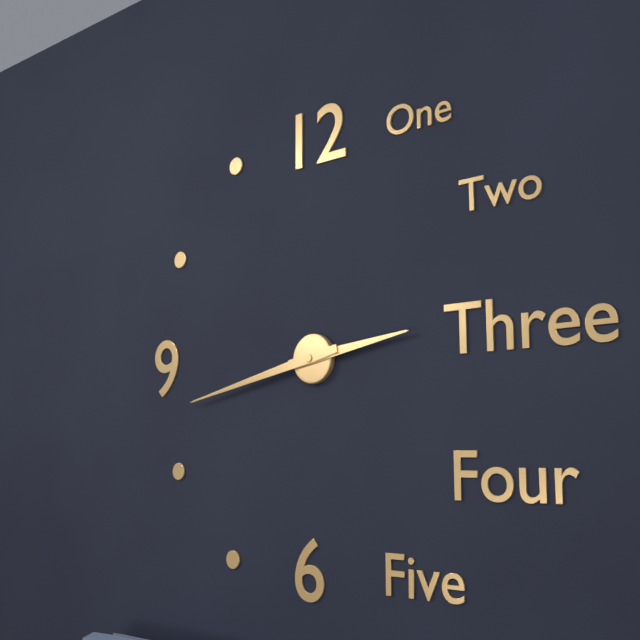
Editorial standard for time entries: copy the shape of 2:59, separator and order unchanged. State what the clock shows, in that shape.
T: 2:43
